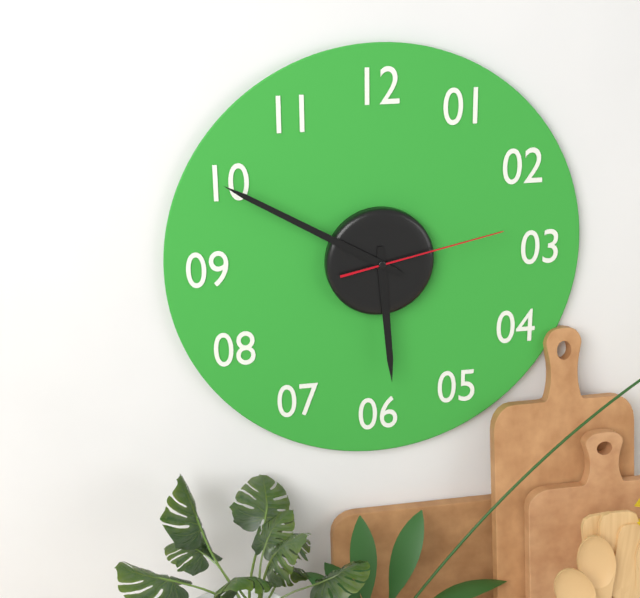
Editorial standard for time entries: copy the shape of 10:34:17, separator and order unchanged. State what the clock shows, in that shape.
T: 5:50:13
